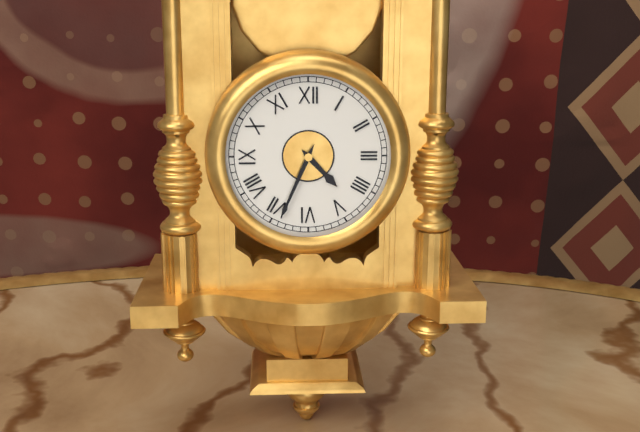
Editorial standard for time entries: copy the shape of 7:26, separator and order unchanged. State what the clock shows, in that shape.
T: 4:34
